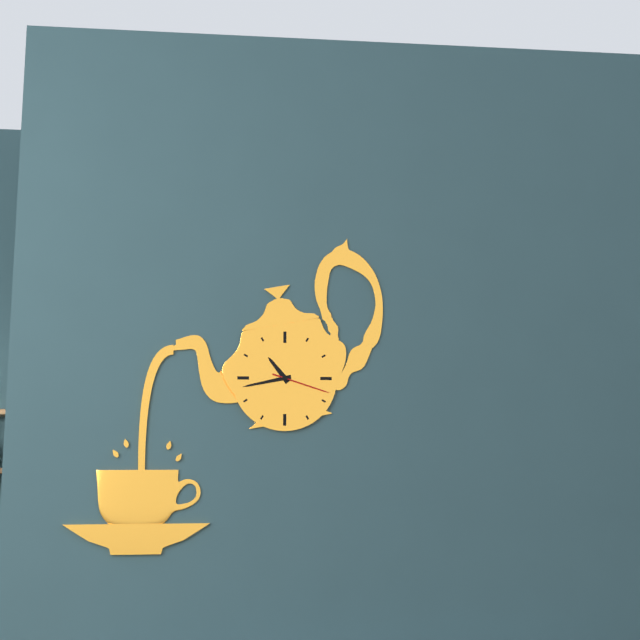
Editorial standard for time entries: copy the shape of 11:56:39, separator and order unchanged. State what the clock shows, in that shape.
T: 10:43:18
